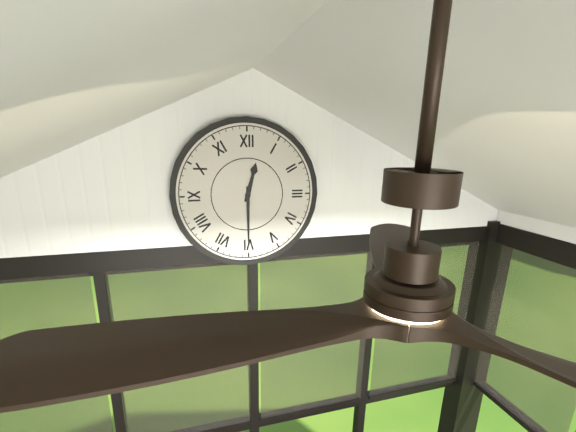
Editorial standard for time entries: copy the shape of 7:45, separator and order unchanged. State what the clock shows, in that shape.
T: 12:30
